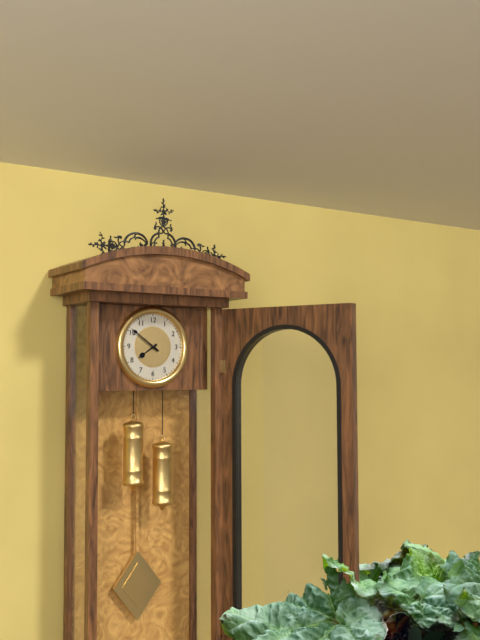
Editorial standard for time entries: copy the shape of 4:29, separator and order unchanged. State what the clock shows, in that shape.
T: 7:51
